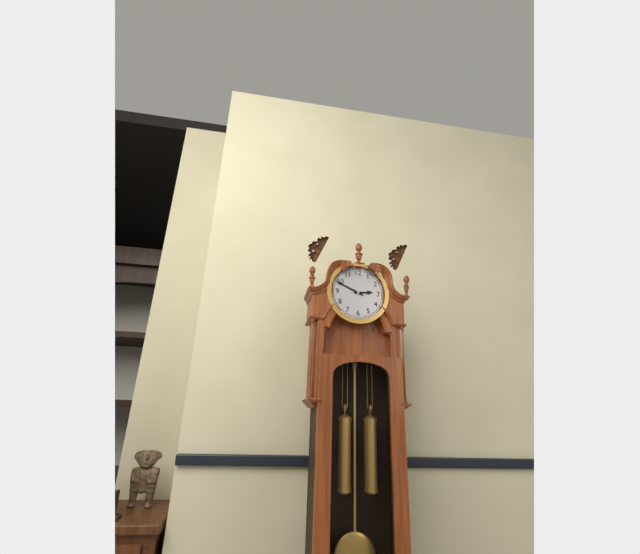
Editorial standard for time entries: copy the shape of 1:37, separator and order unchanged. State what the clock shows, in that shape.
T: 2:49
